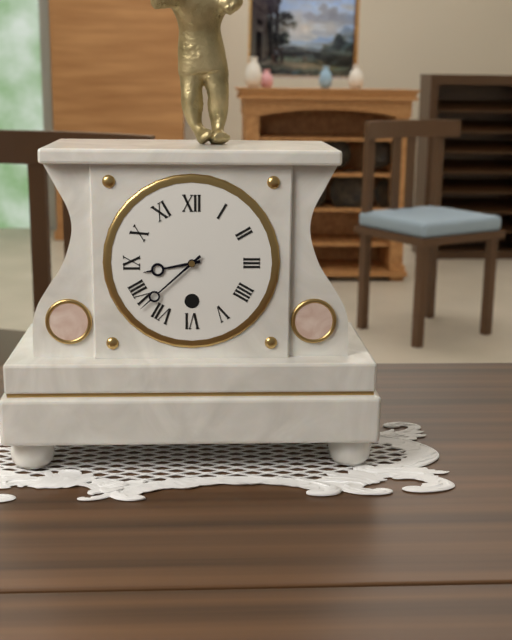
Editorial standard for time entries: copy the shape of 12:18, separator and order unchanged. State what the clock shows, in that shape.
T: 8:38
